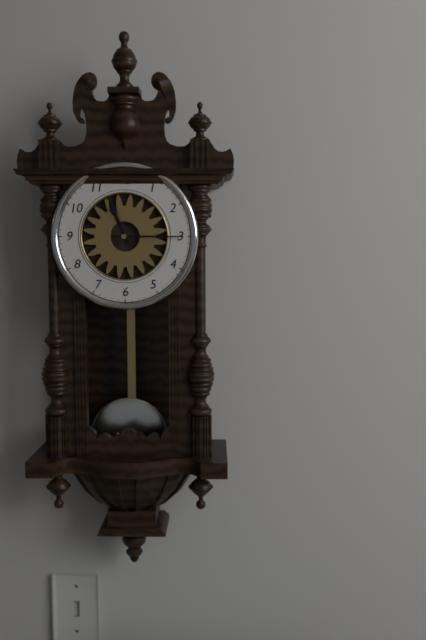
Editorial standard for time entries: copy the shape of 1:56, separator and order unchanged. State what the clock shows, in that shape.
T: 11:15
